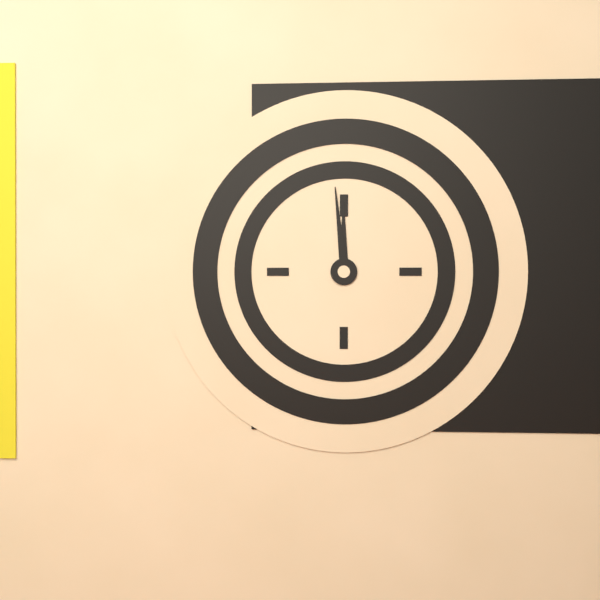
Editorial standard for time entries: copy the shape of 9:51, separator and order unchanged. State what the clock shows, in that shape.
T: 11:59
